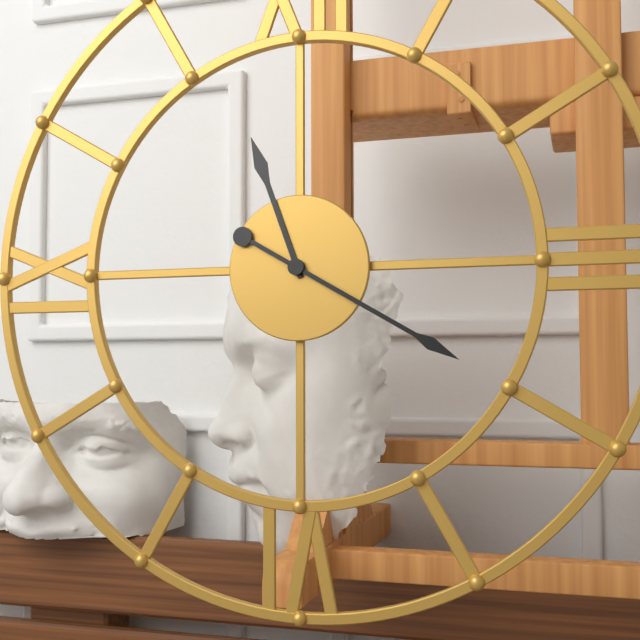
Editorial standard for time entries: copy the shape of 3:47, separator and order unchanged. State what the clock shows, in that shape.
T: 11:20
